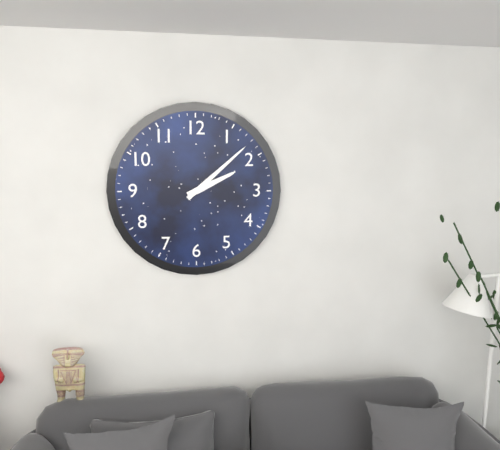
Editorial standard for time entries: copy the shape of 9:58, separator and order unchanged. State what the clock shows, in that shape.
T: 2:08
